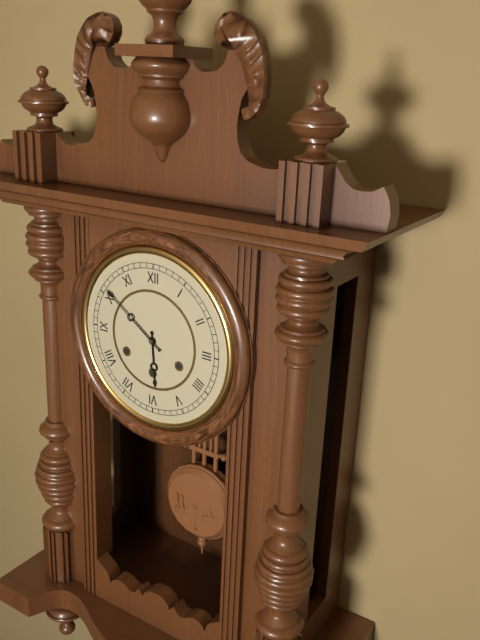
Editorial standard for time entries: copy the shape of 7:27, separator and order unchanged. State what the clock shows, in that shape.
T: 5:51
